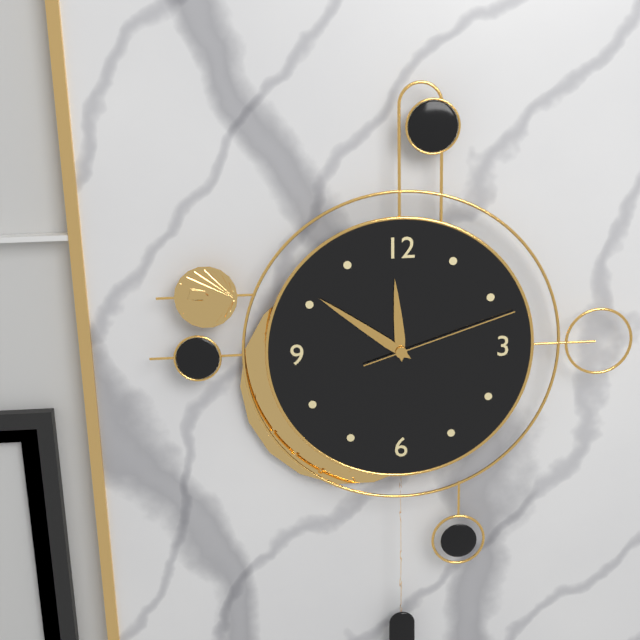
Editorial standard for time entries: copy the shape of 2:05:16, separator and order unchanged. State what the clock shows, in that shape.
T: 11:51:12
